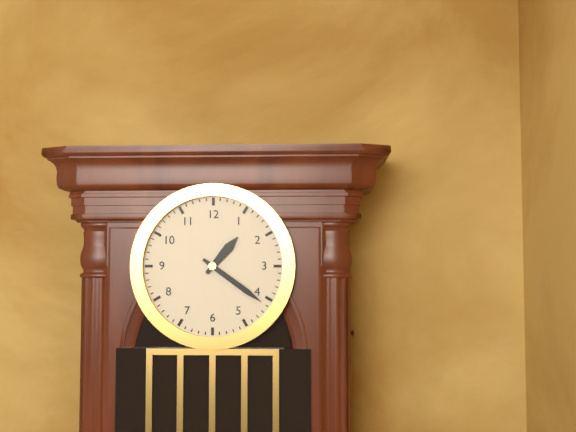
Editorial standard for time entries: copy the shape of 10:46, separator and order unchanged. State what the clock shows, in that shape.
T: 1:21
